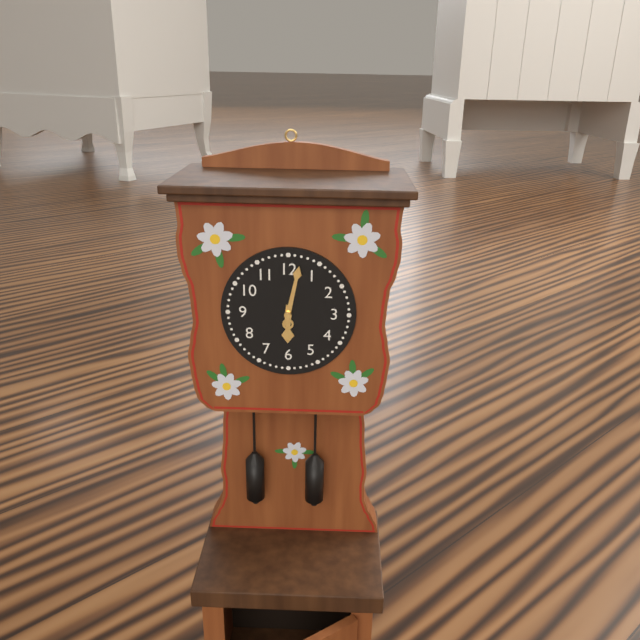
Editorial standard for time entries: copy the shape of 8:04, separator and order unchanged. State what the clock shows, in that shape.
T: 6:02
